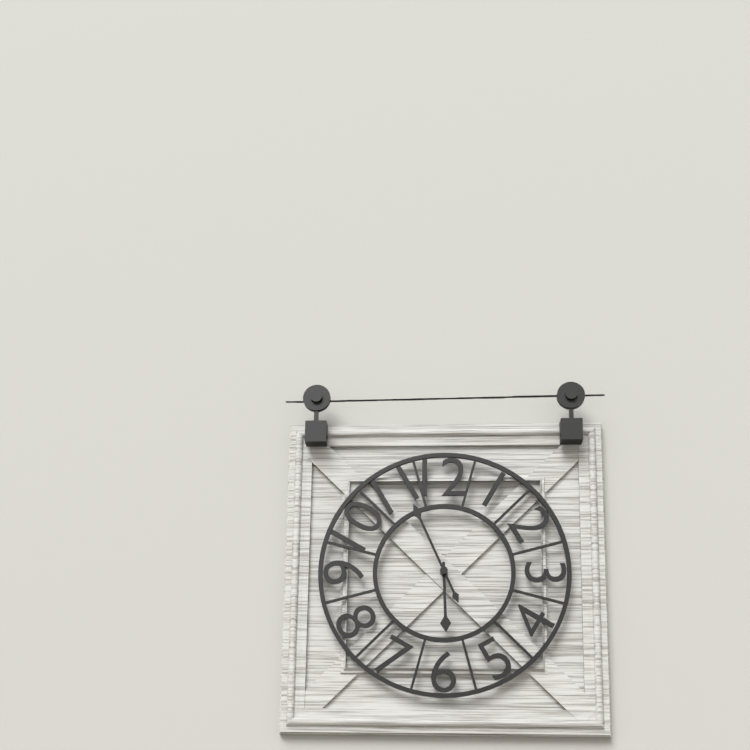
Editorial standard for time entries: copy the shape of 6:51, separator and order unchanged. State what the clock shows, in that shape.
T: 5:56
